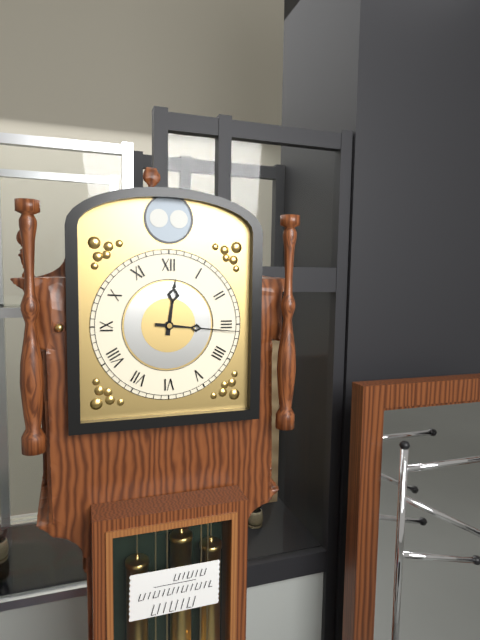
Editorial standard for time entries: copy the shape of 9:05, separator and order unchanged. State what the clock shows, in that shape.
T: 12:16
